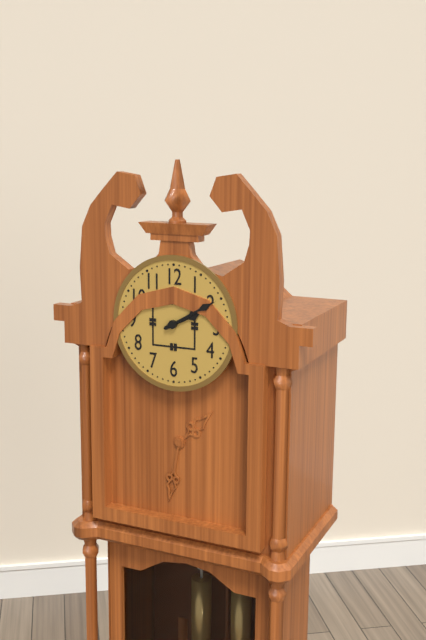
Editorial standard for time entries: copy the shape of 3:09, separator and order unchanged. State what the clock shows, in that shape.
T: 2:10
